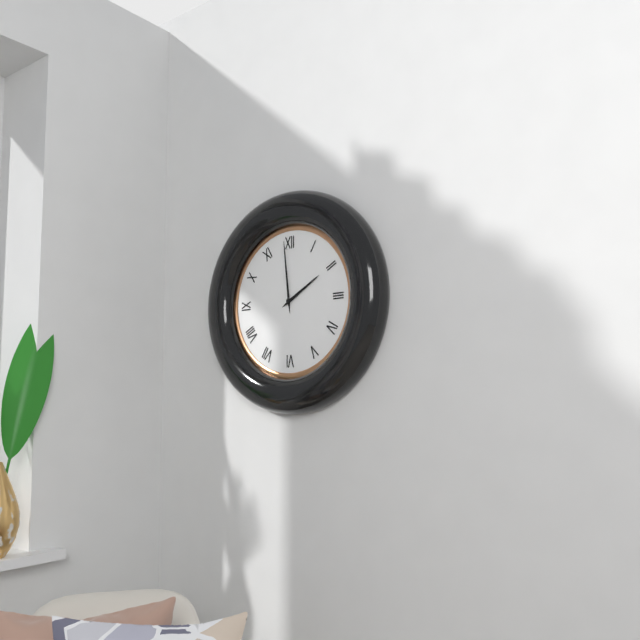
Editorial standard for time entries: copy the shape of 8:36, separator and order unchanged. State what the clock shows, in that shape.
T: 1:59
